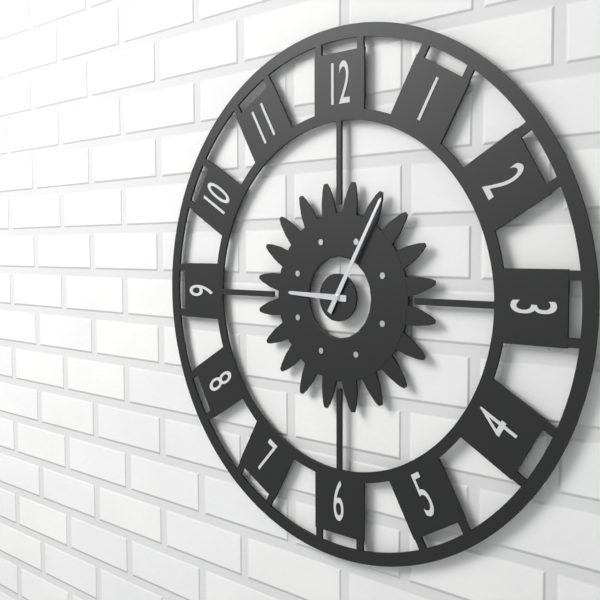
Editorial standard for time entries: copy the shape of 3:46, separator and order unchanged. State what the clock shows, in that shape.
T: 9:05
